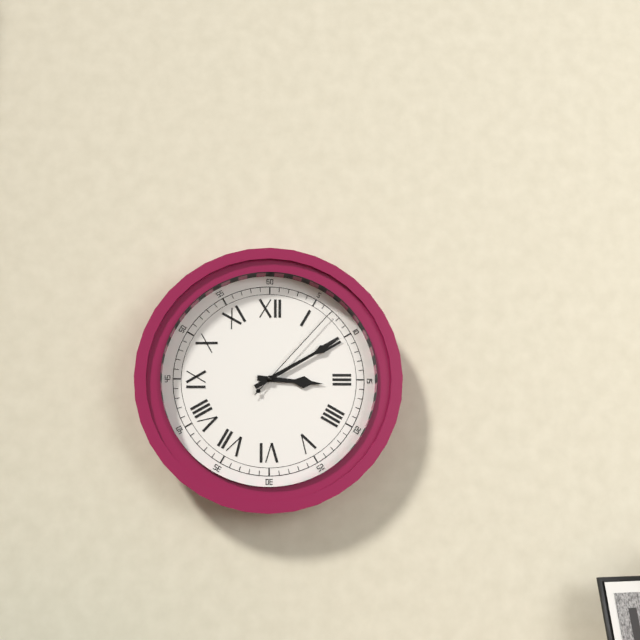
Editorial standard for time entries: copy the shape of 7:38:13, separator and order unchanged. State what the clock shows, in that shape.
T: 3:10:07
